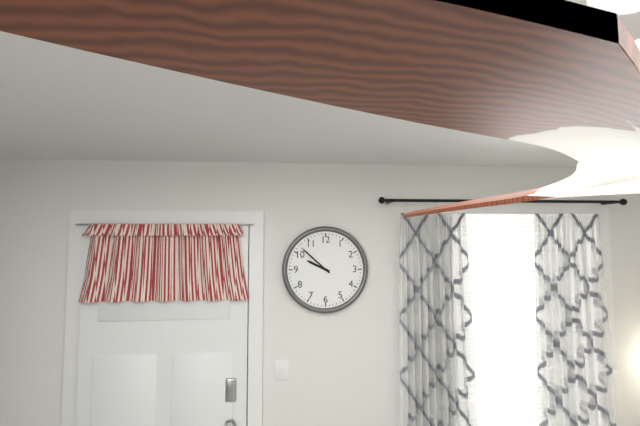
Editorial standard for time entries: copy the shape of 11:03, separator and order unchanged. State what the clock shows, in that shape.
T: 9:52
